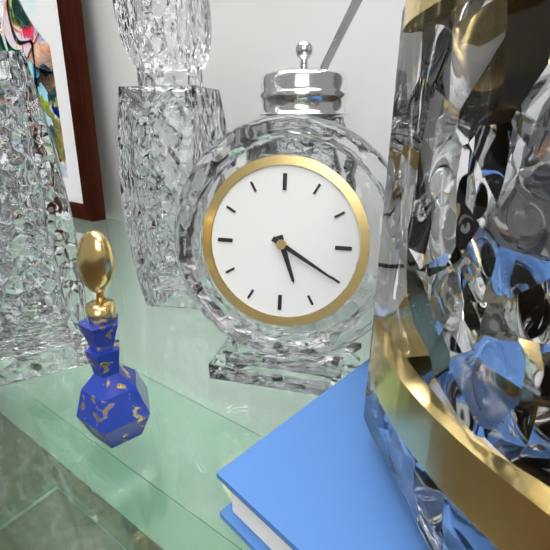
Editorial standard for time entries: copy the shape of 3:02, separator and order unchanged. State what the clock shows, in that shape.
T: 5:20
